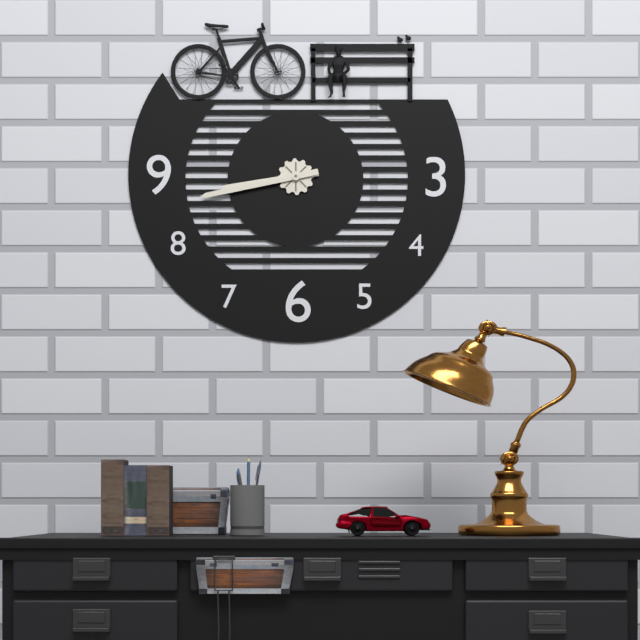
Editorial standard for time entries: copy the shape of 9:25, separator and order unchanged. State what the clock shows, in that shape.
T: 8:43
